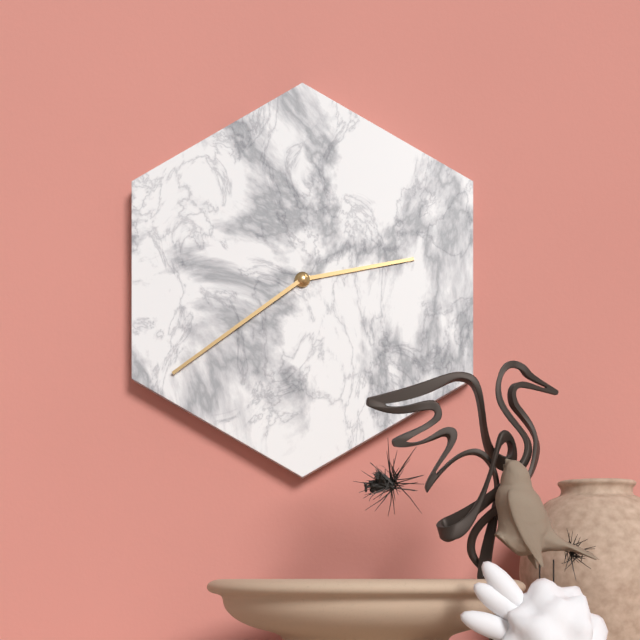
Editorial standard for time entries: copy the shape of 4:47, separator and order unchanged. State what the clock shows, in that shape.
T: 2:39
